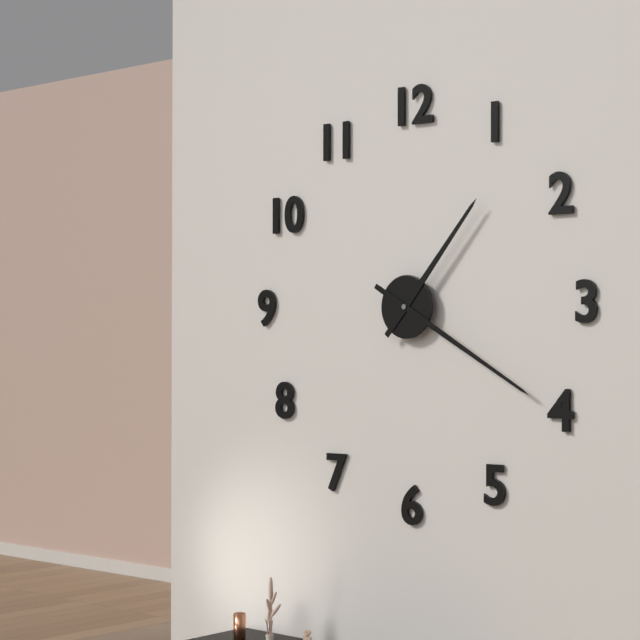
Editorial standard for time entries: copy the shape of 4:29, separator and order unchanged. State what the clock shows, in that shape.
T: 1:20
